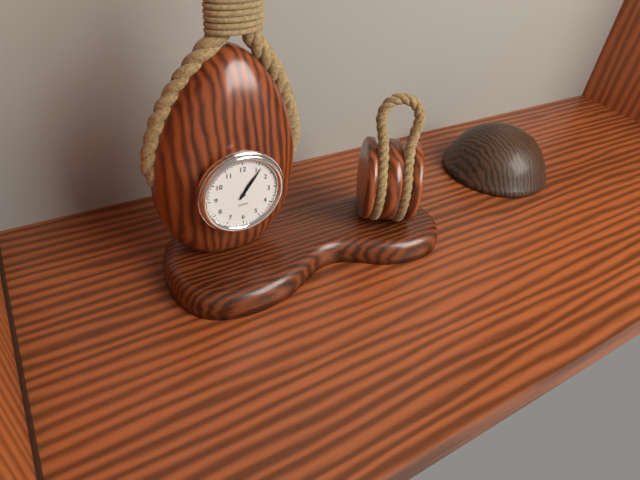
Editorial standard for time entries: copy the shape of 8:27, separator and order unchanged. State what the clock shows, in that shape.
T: 1:06
